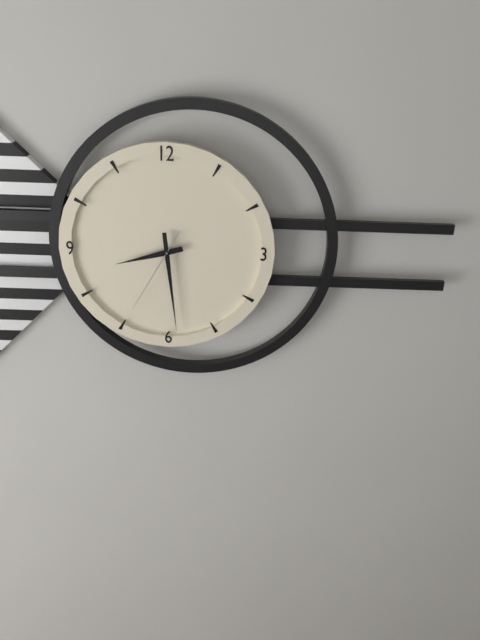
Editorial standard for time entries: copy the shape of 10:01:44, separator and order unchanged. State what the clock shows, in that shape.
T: 8:29:35
